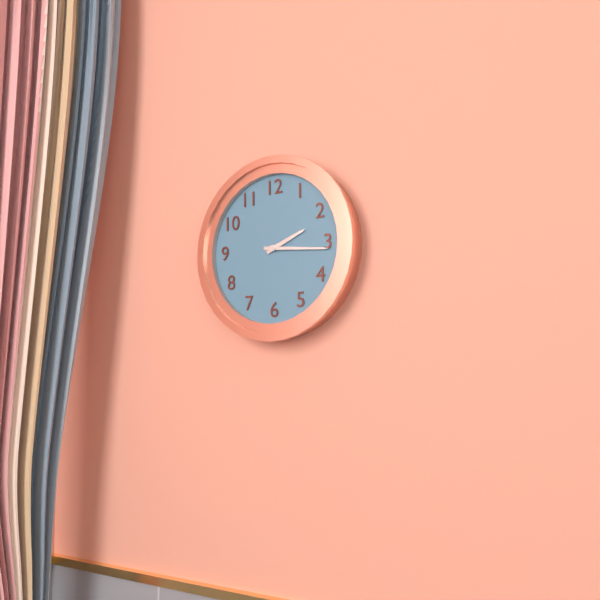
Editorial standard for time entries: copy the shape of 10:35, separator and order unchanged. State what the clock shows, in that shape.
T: 2:16
